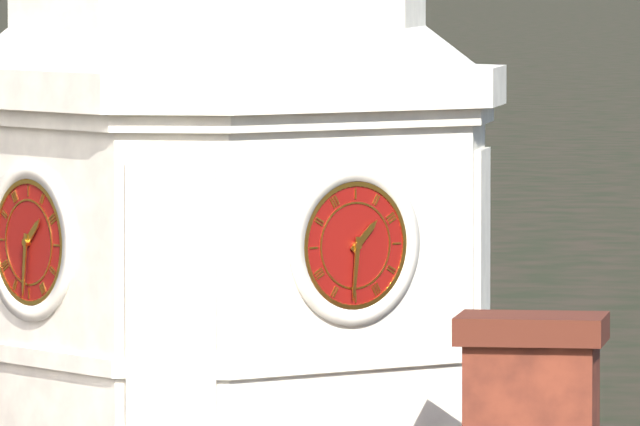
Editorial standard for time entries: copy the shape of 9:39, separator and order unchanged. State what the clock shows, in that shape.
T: 1:31
